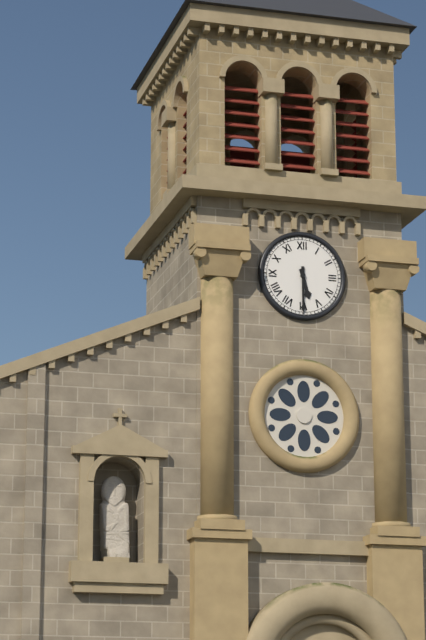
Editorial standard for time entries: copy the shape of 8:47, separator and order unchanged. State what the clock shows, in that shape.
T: 5:30
